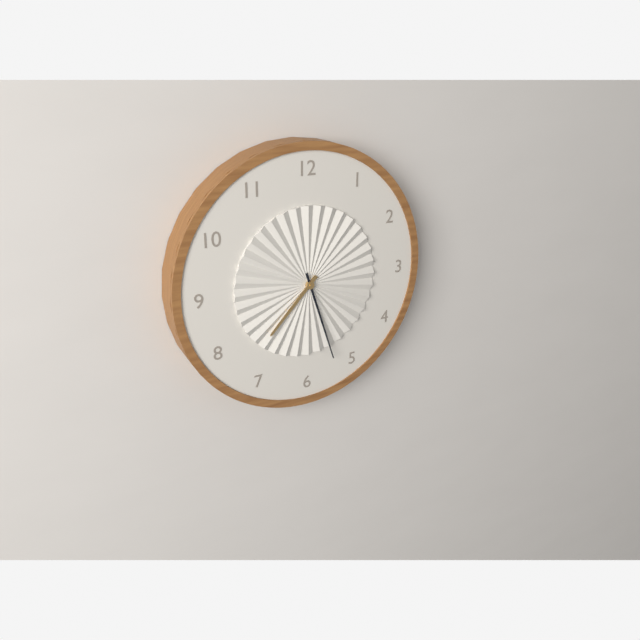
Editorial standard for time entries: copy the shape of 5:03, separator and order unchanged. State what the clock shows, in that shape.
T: 7:27
